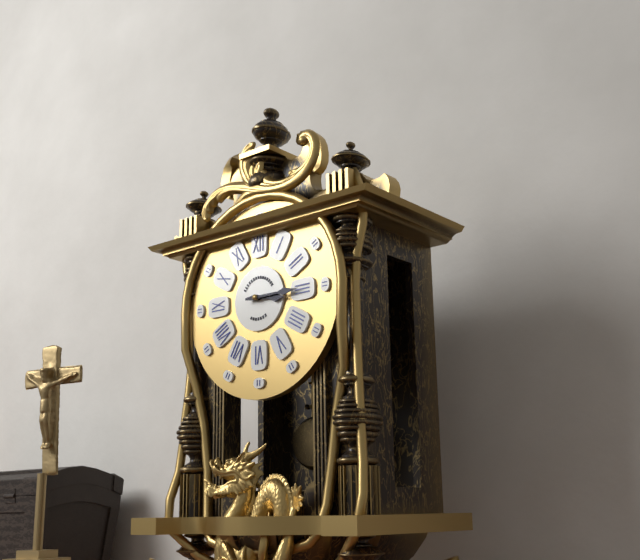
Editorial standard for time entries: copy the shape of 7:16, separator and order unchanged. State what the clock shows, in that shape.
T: 3:15
